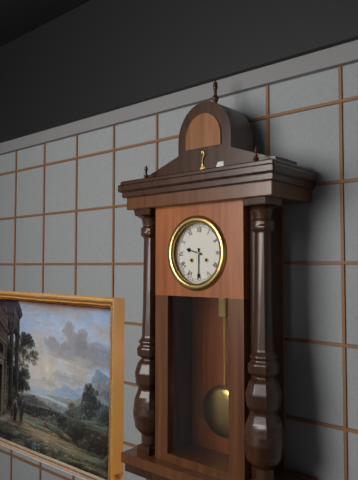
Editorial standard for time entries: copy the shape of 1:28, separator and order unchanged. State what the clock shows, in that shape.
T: 9:30
